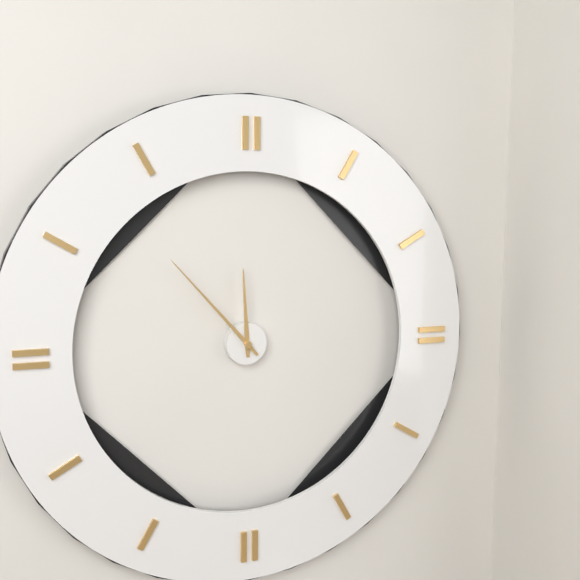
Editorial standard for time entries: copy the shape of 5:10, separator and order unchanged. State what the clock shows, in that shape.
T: 11:53
